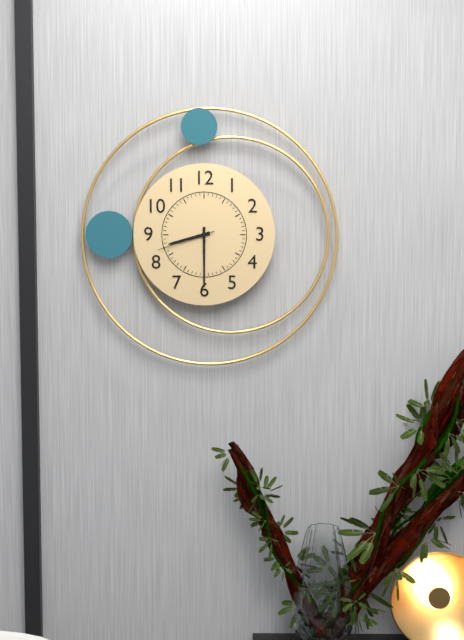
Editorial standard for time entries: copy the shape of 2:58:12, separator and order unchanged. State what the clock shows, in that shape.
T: 8:30:42
